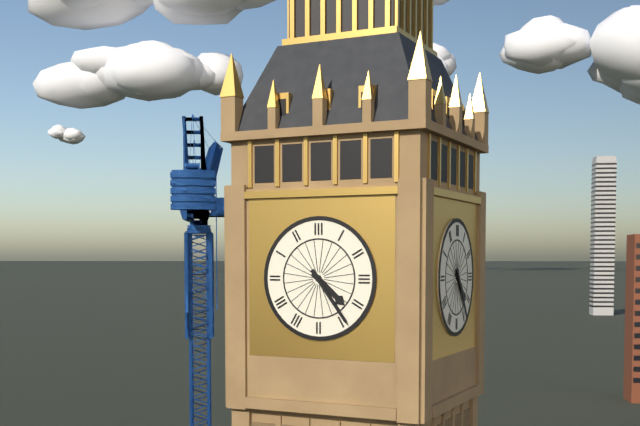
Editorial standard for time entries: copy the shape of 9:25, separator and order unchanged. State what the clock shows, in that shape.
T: 4:24
